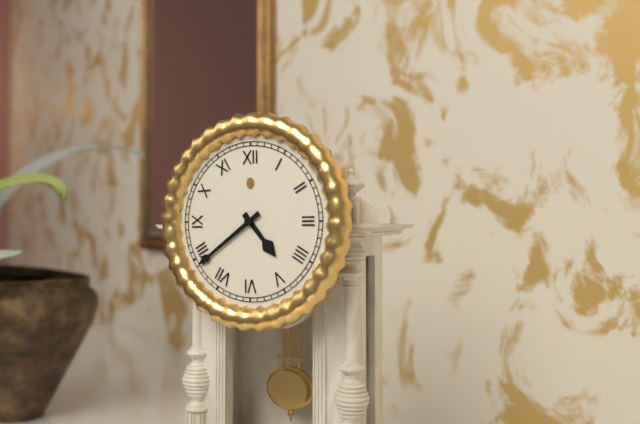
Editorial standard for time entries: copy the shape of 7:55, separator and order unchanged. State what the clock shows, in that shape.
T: 4:39
